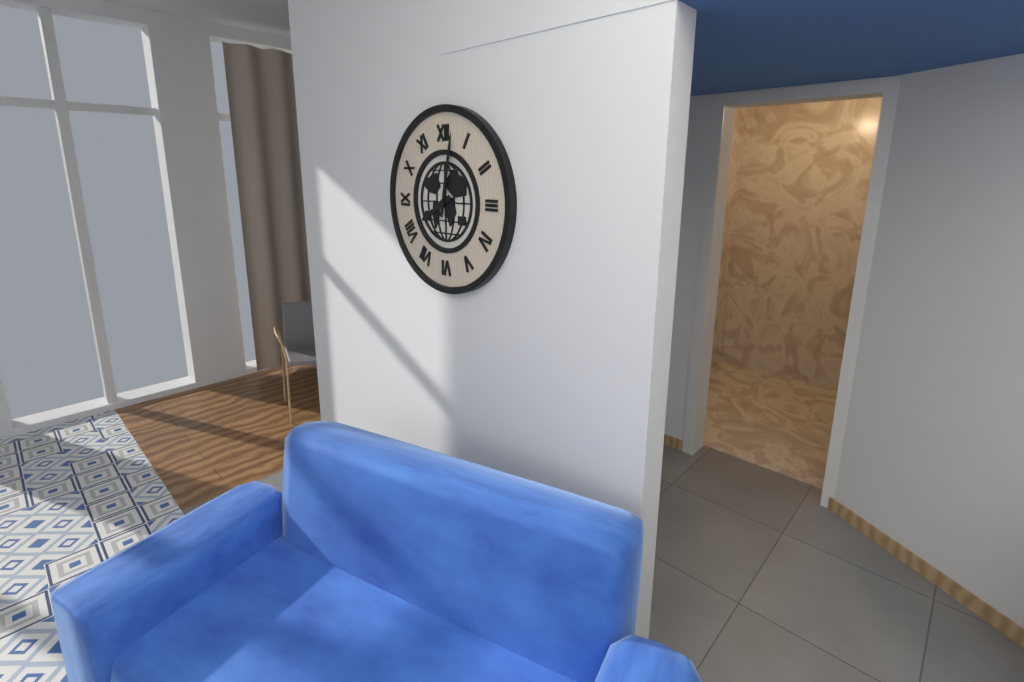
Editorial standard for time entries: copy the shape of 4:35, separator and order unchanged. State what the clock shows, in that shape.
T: 8:02
